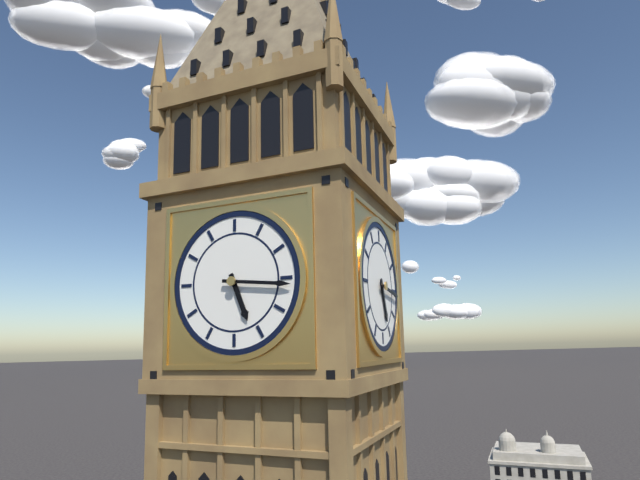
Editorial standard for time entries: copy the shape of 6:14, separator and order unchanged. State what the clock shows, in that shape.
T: 5:16
